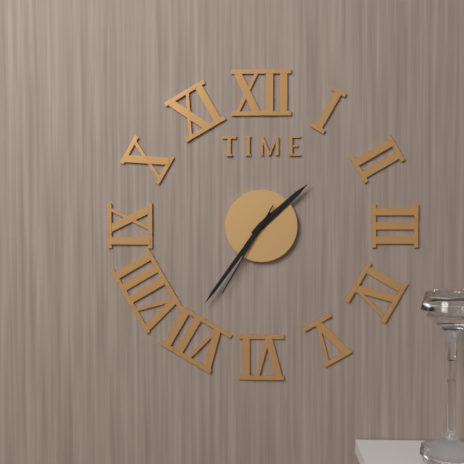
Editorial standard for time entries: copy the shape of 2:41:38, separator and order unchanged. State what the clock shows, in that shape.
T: 1:36:35
